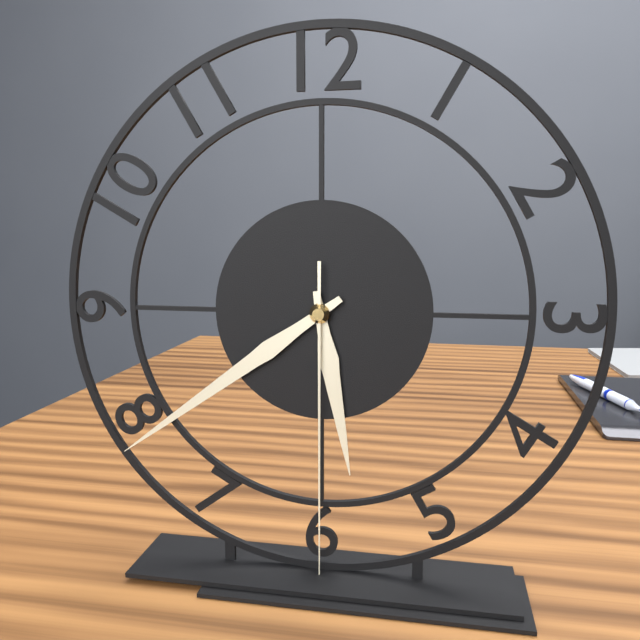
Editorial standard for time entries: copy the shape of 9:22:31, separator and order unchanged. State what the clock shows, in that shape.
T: 5:39:30
